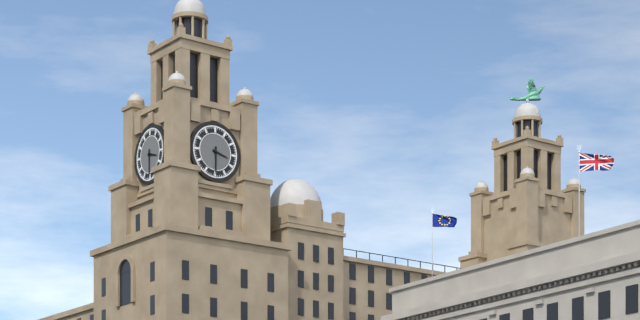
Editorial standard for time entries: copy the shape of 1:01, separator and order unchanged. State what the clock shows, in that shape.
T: 3:30
